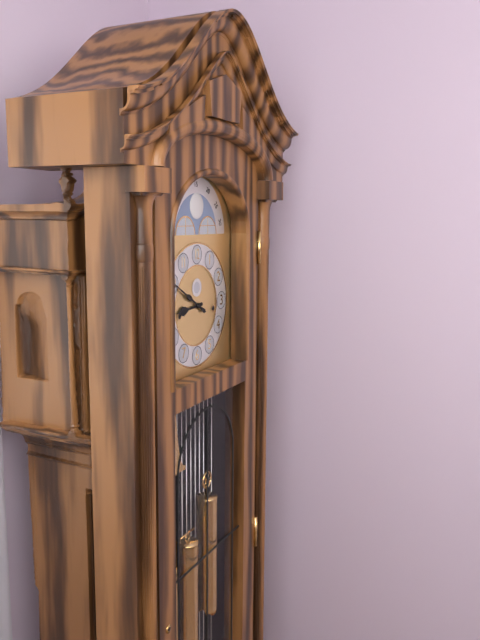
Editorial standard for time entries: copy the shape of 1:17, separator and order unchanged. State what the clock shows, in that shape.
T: 8:50
